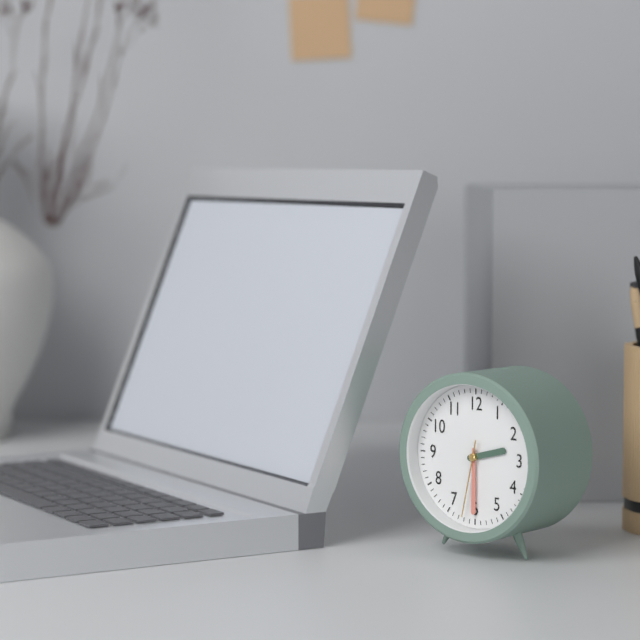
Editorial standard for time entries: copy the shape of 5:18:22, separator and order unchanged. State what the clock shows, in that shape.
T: 2:30:32
